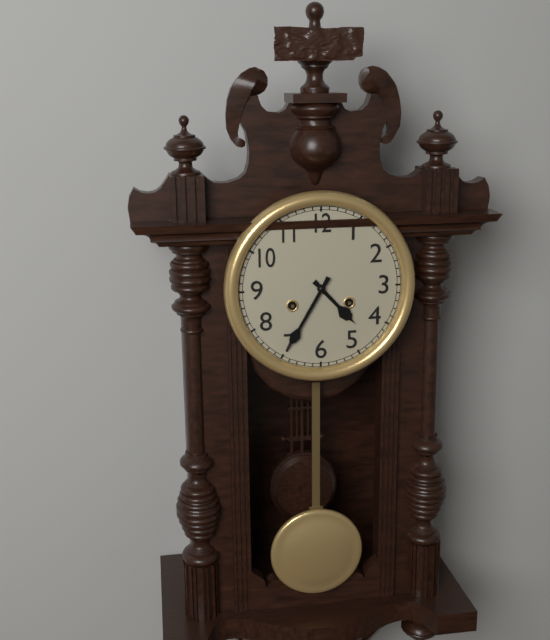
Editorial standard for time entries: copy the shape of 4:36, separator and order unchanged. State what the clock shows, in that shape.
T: 4:35
